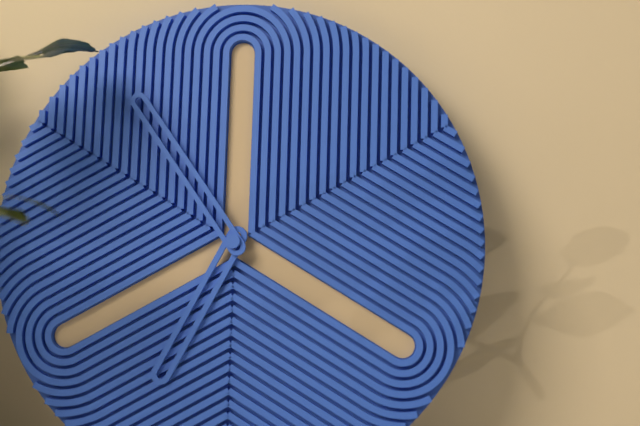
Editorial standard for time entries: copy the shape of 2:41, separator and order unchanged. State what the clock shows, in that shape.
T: 6:54
